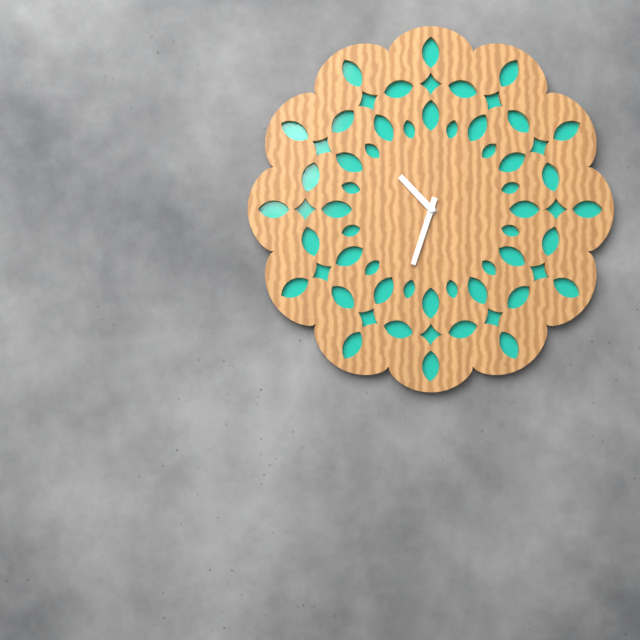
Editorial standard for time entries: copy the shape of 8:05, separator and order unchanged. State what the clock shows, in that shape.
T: 10:33
